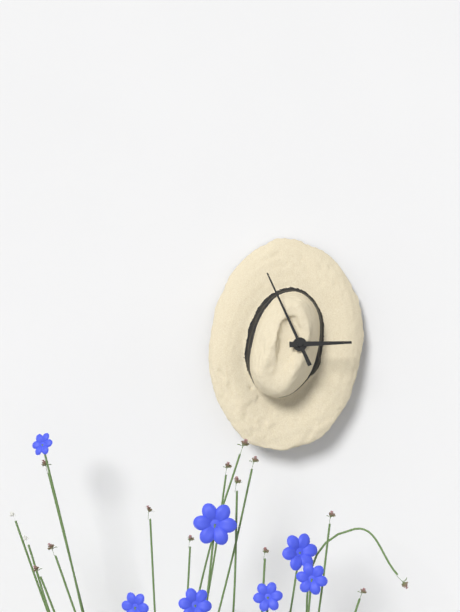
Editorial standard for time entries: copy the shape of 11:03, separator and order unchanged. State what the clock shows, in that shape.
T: 2:56
